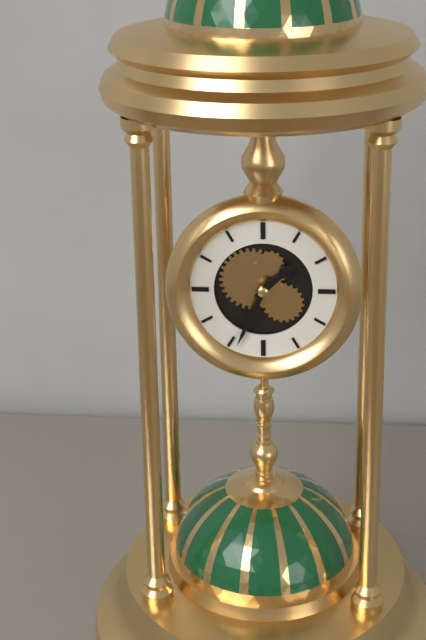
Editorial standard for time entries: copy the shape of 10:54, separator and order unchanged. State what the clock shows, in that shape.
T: 1:34
